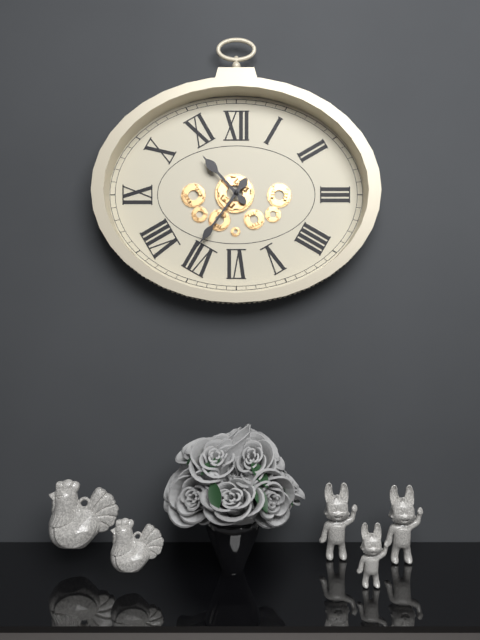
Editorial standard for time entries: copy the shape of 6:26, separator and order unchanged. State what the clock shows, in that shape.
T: 10:36
